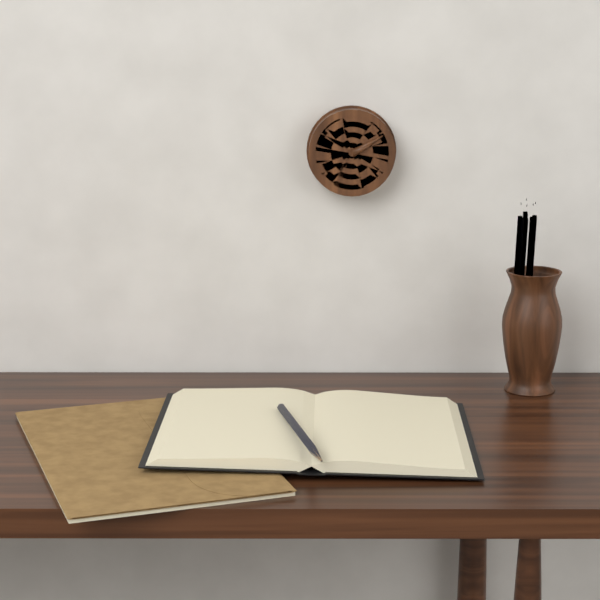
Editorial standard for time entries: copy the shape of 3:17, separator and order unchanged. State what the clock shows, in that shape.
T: 2:10
